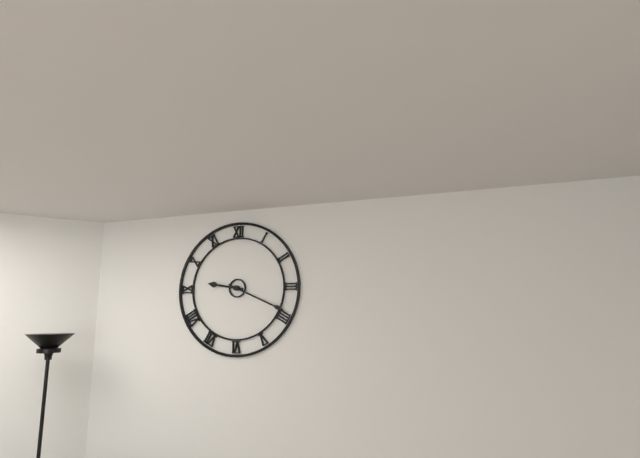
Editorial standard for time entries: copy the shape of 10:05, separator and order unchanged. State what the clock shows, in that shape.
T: 9:19
